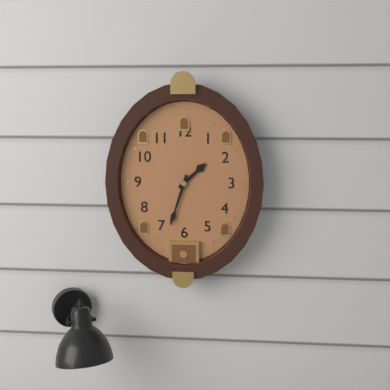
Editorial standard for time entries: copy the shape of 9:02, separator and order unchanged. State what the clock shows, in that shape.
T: 1:33
